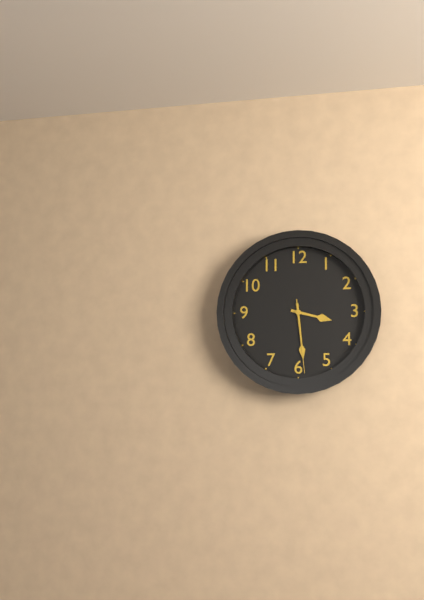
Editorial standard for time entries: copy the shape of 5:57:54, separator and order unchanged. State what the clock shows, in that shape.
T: 3:29:29
